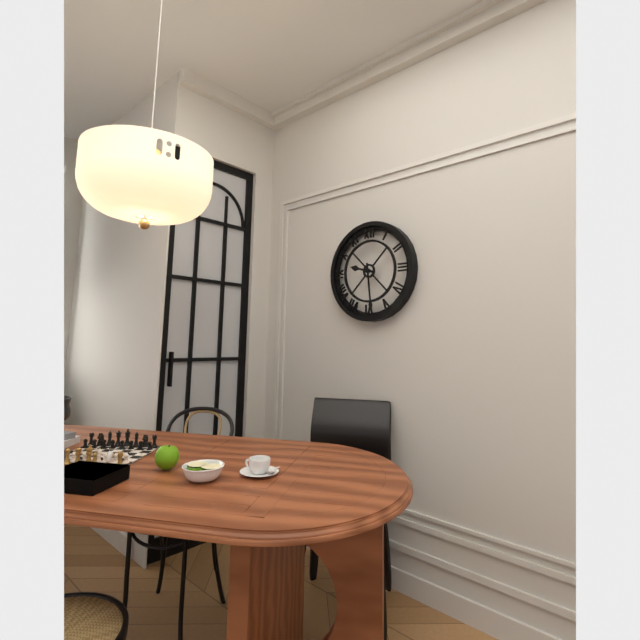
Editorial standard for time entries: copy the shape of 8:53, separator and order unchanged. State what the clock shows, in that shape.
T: 9:29
